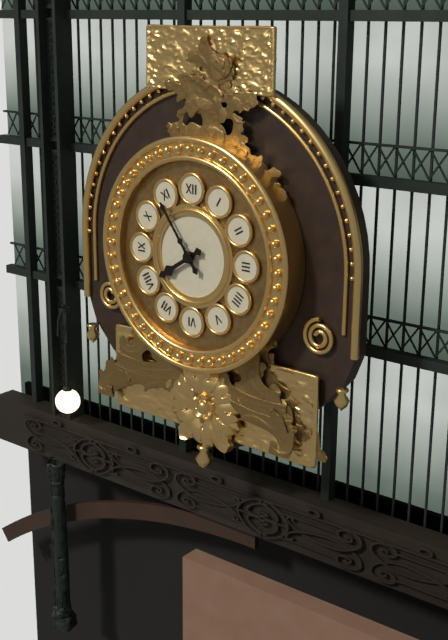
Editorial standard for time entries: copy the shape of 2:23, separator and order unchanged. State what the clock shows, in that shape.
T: 7:54
